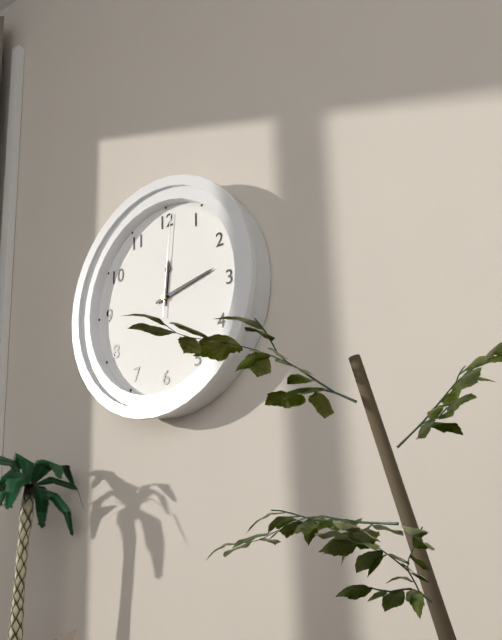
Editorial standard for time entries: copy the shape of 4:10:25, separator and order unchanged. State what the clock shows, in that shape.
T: 12:13:01
